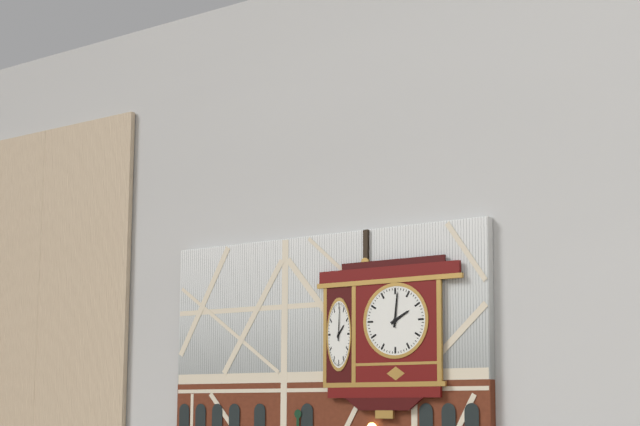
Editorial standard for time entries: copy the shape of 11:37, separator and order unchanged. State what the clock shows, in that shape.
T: 2:01
